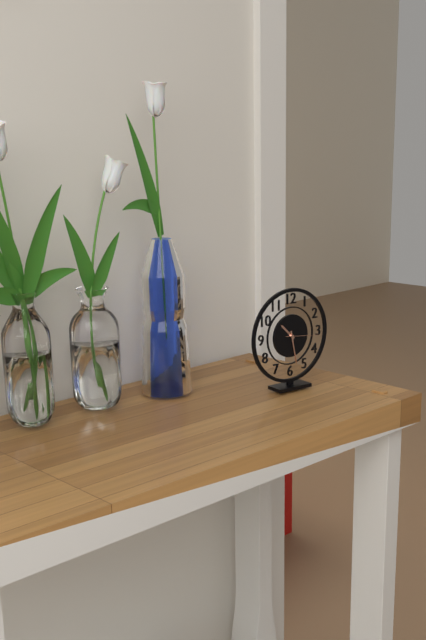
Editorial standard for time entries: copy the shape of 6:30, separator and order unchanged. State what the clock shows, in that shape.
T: 10:28
